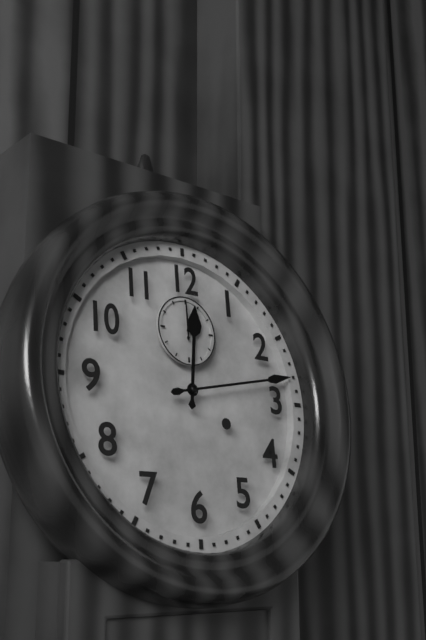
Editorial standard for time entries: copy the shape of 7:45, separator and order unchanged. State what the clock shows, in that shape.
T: 12:13
